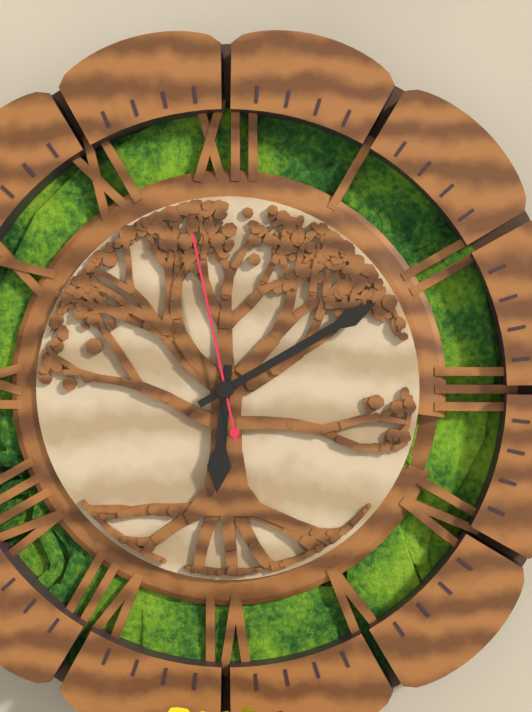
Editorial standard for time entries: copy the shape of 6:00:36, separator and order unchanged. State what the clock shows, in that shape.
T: 6:10:58
